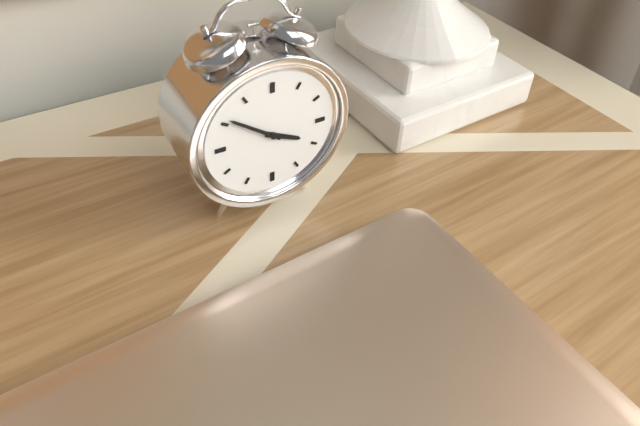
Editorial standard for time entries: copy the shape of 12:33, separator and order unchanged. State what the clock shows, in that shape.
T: 3:51
